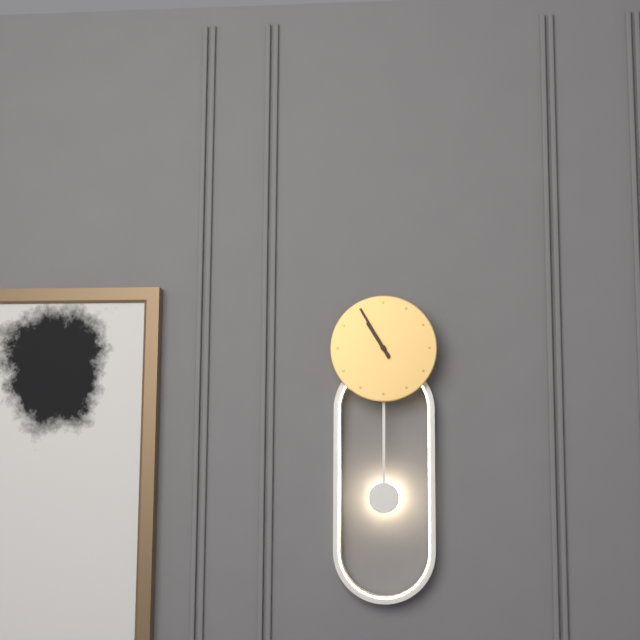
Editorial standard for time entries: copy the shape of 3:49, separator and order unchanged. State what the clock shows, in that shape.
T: 10:55
